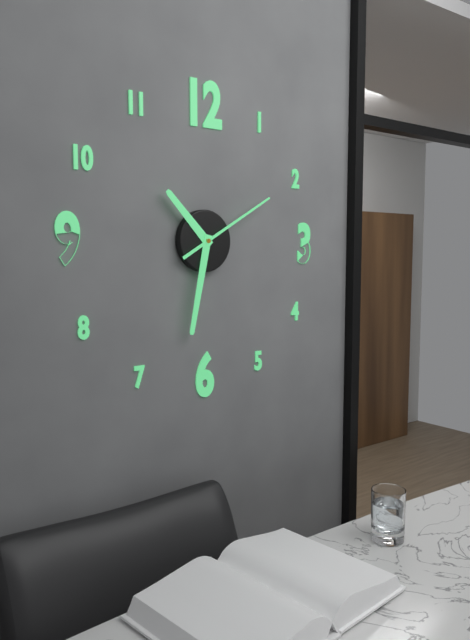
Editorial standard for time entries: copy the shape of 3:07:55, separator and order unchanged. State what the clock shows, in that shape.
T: 10:32:10
